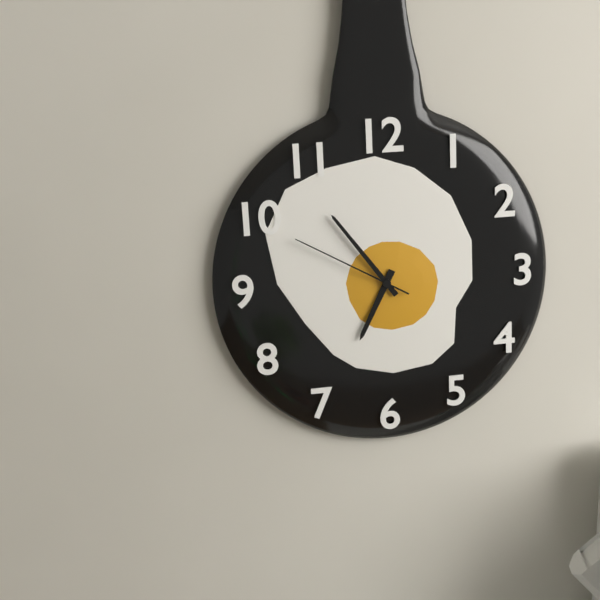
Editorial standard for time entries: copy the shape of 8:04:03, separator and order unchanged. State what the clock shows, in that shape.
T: 6:54:50
